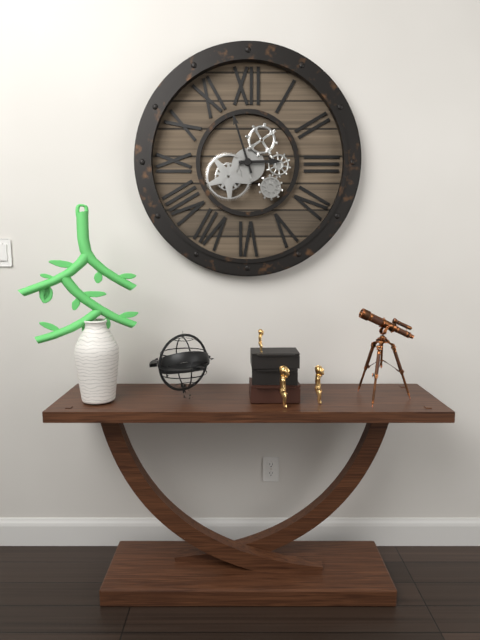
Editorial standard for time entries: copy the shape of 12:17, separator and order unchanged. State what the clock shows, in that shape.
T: 2:57
